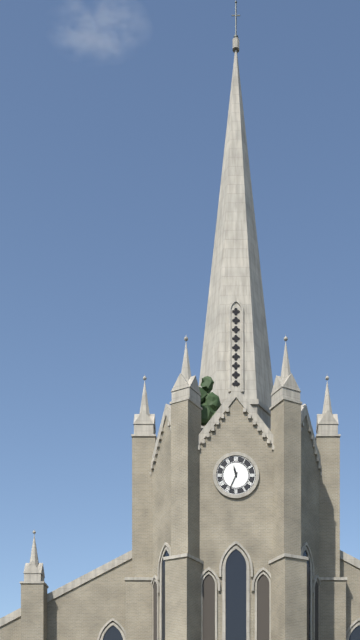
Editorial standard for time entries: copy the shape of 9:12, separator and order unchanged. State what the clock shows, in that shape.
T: 11:34
